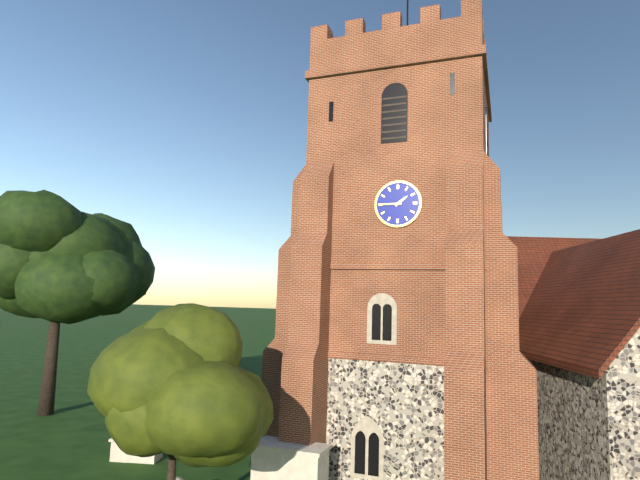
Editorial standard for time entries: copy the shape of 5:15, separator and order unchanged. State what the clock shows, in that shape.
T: 1:45
